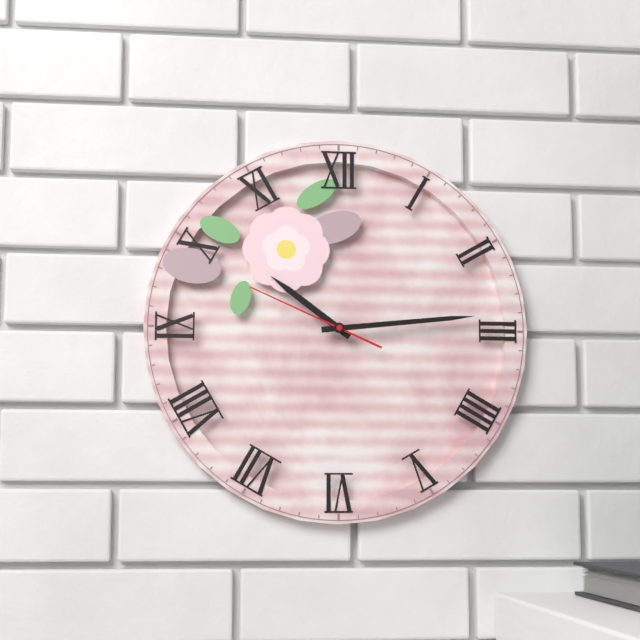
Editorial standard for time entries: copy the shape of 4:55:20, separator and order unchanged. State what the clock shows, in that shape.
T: 10:14:49
